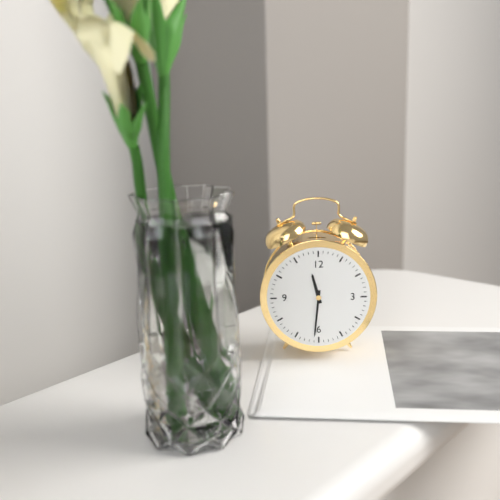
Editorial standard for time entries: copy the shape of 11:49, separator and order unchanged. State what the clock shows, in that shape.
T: 11:31
